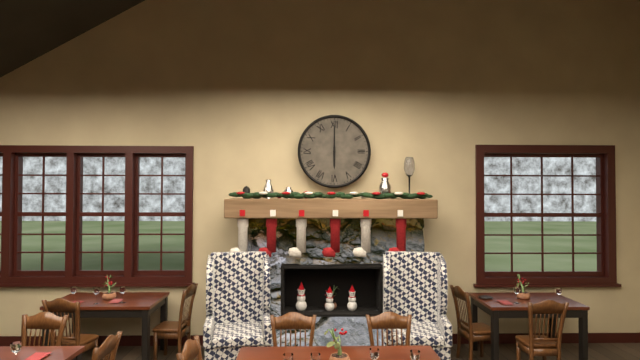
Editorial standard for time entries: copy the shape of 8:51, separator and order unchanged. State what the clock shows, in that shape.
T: 6:00
